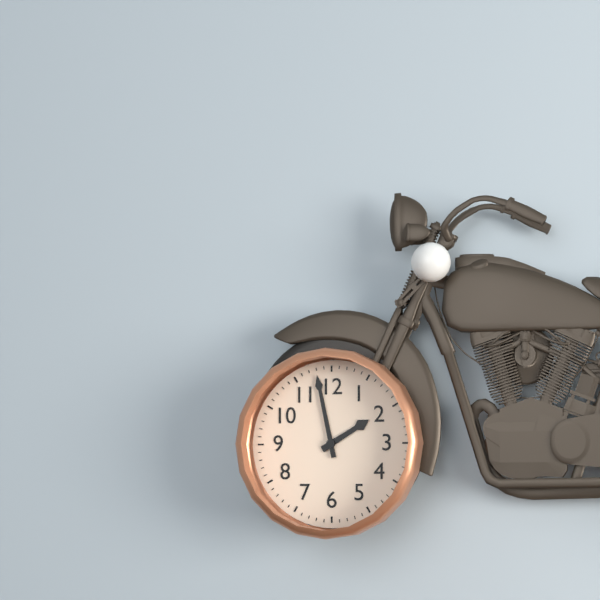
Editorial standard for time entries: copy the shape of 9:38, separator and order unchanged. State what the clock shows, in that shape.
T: 1:58
